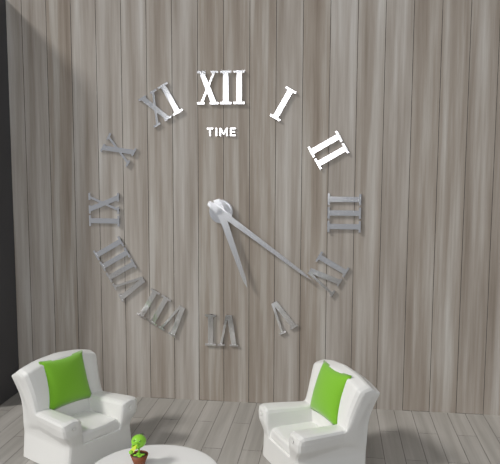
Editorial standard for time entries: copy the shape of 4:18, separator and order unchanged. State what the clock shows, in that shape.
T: 5:21
